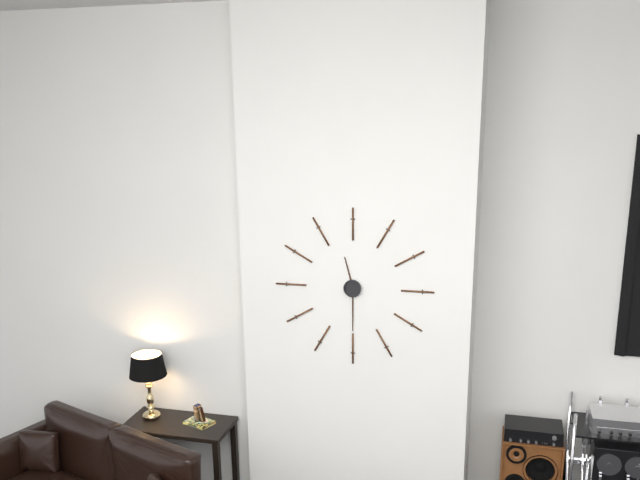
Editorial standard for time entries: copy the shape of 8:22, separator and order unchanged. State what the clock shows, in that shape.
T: 11:30
